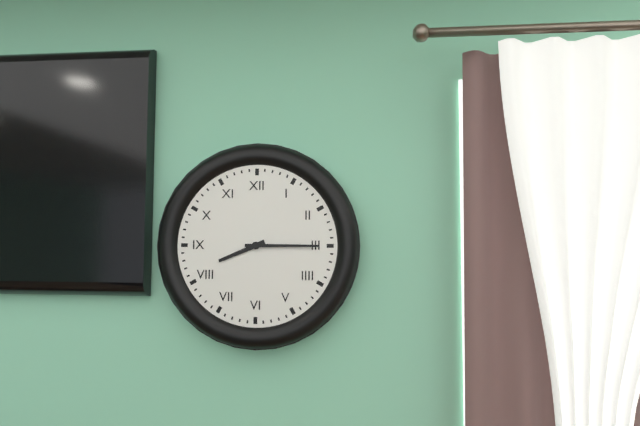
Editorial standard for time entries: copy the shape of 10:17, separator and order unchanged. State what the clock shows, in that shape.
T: 8:15
